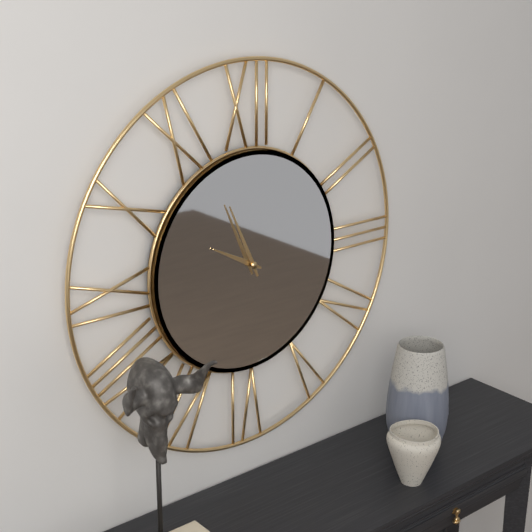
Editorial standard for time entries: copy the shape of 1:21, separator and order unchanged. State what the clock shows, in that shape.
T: 9:56
